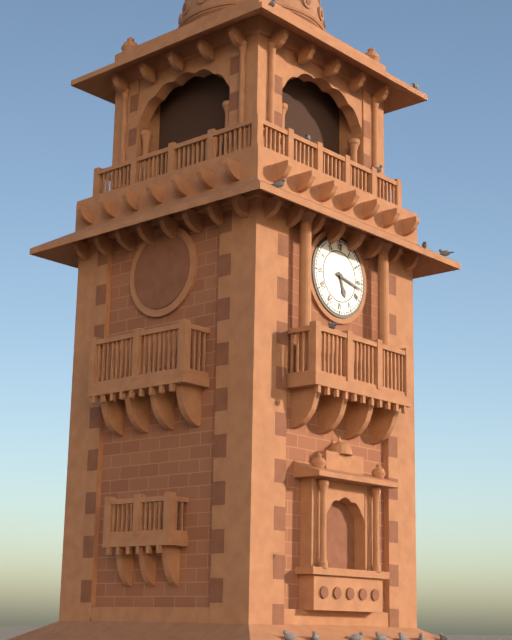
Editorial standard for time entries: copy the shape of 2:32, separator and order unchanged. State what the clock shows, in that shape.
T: 5:17
